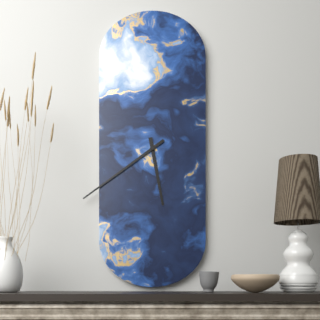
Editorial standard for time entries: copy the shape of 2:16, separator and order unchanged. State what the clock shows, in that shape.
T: 5:39
